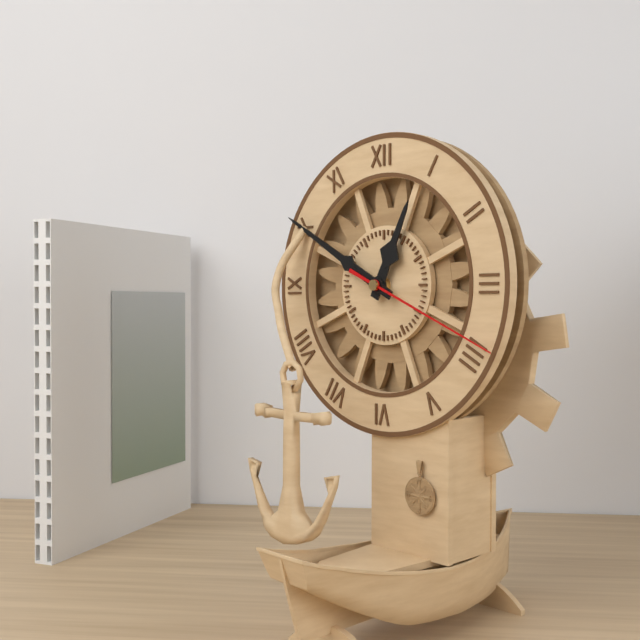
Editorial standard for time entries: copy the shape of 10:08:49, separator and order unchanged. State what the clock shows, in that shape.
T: 12:50:19
